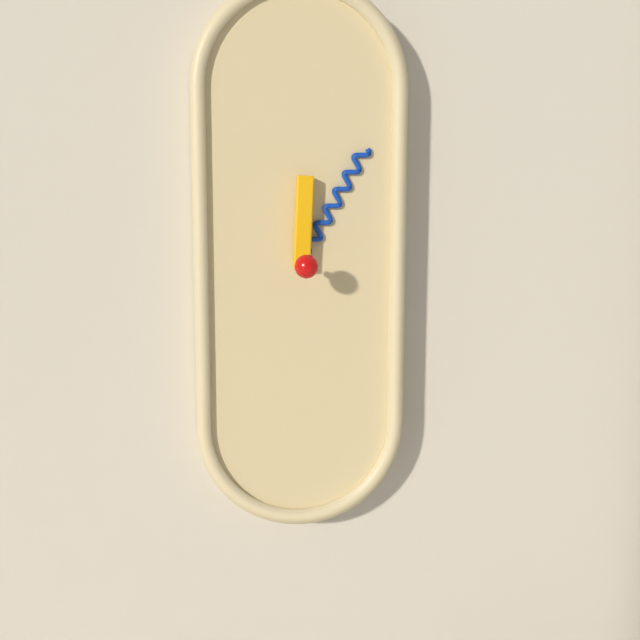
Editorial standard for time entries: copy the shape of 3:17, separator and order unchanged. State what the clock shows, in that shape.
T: 12:05
